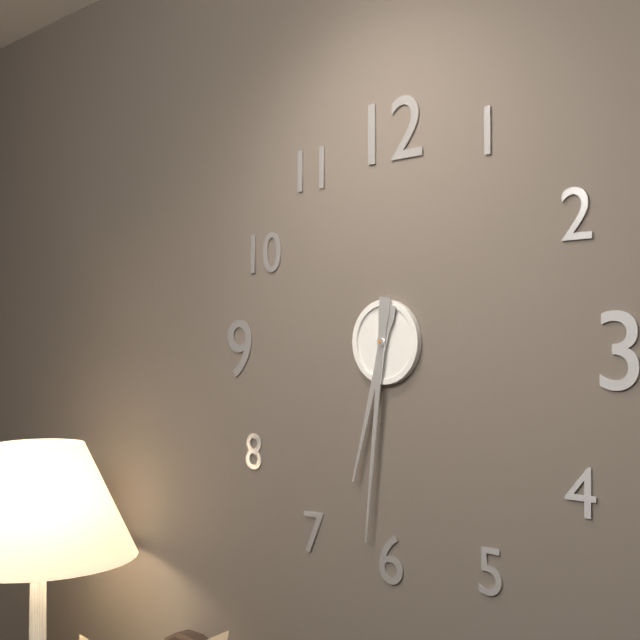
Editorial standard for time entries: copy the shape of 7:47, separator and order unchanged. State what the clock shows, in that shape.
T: 6:31
